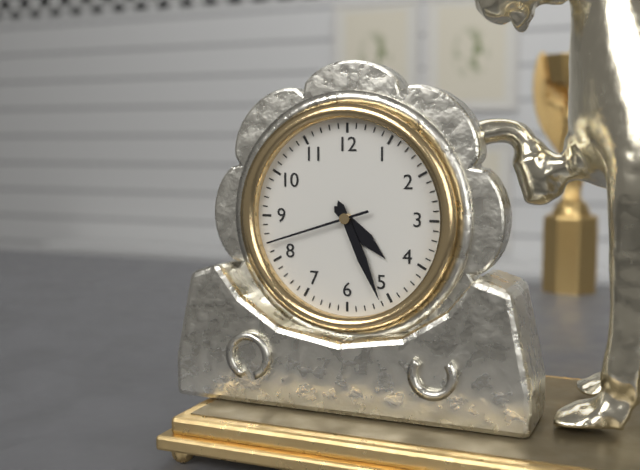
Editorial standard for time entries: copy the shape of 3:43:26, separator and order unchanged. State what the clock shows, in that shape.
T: 4:26:42
